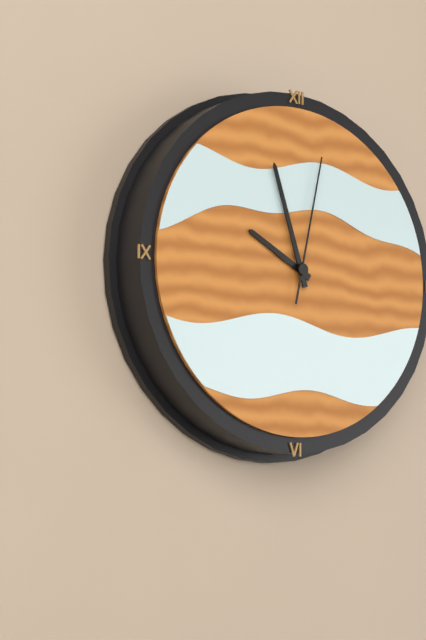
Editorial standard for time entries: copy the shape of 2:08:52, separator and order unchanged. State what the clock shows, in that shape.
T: 9:57:02
